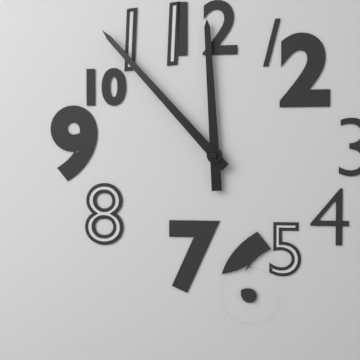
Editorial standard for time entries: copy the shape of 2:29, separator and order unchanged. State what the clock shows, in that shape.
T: 11:53
